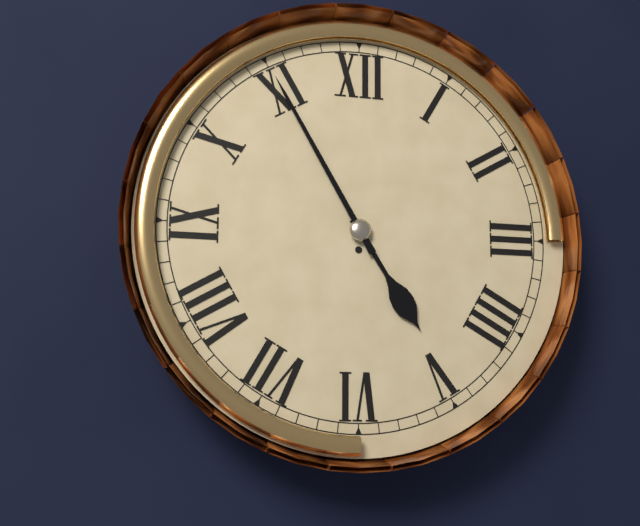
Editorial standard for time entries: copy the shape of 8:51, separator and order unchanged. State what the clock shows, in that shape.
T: 4:55
